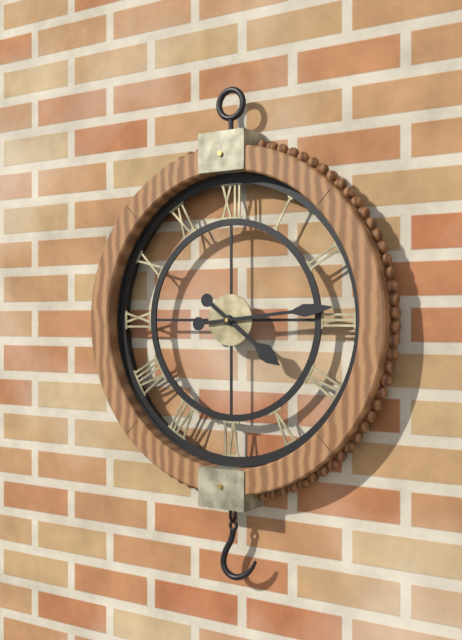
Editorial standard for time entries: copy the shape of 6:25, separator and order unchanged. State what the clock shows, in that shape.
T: 4:14
